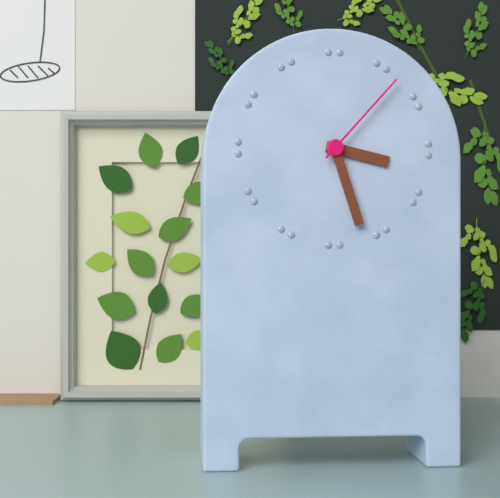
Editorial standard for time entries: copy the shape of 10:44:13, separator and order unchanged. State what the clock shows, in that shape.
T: 3:27:07
